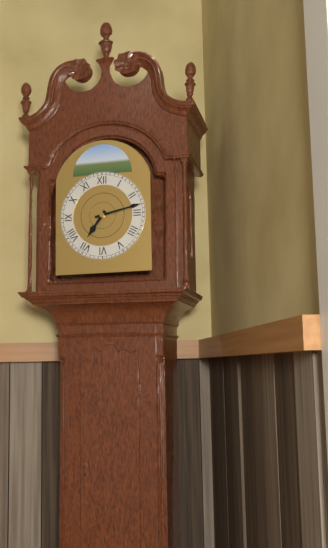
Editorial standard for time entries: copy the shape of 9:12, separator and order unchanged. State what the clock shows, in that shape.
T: 7:13
